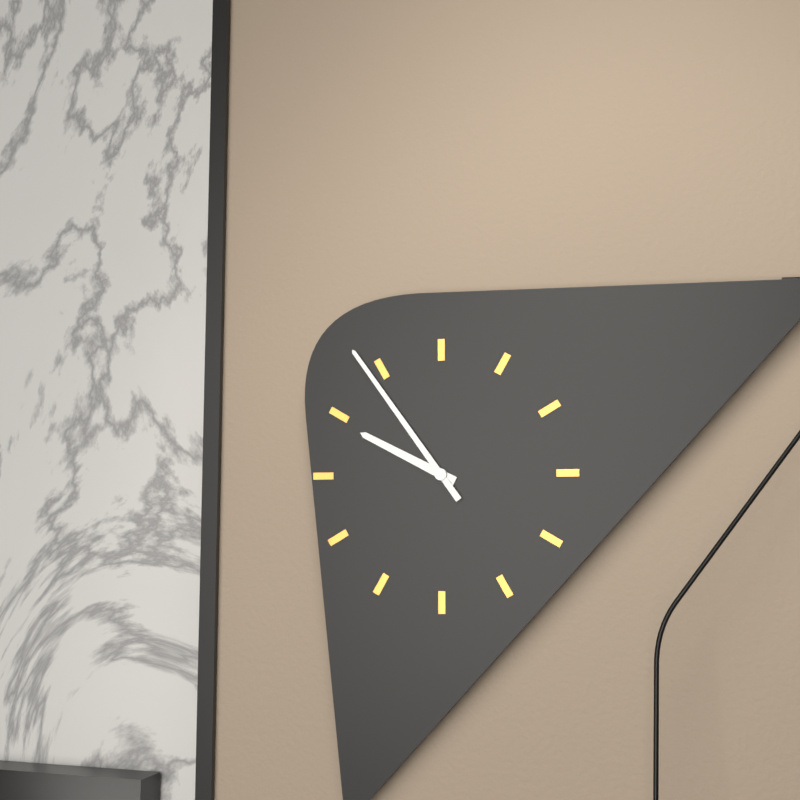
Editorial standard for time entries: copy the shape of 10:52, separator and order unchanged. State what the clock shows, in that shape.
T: 9:54
